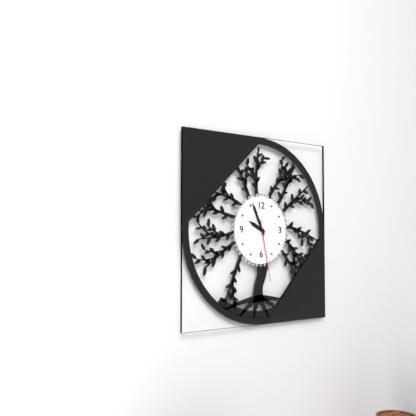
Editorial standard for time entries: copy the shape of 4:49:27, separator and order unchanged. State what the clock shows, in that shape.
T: 9:56:28
